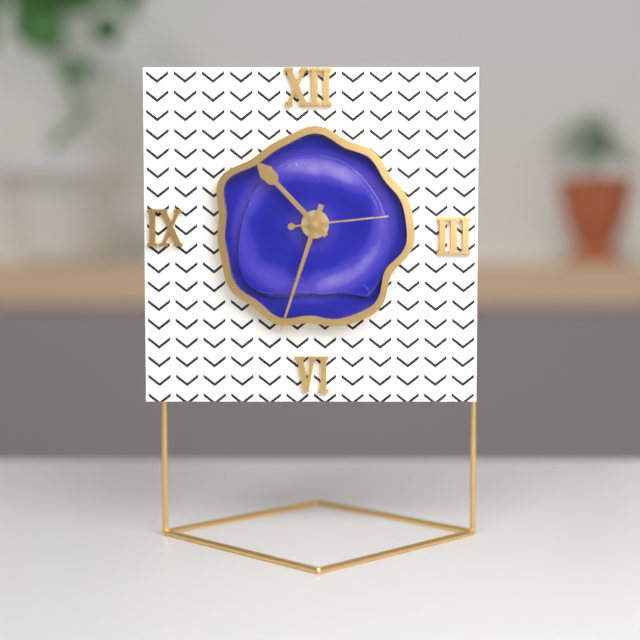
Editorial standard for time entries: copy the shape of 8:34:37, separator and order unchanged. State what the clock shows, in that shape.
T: 10:33:14
